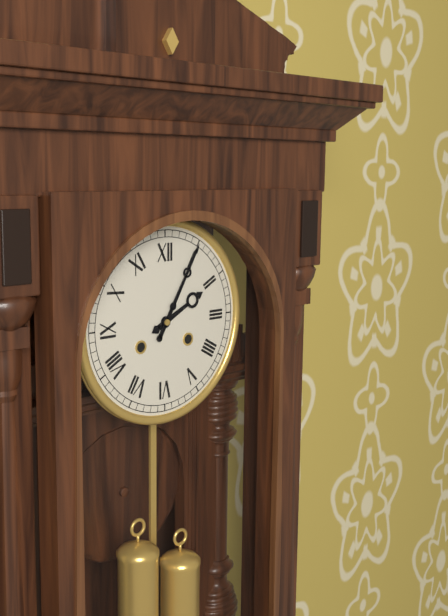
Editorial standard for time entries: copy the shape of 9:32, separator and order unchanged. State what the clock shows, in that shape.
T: 2:05
